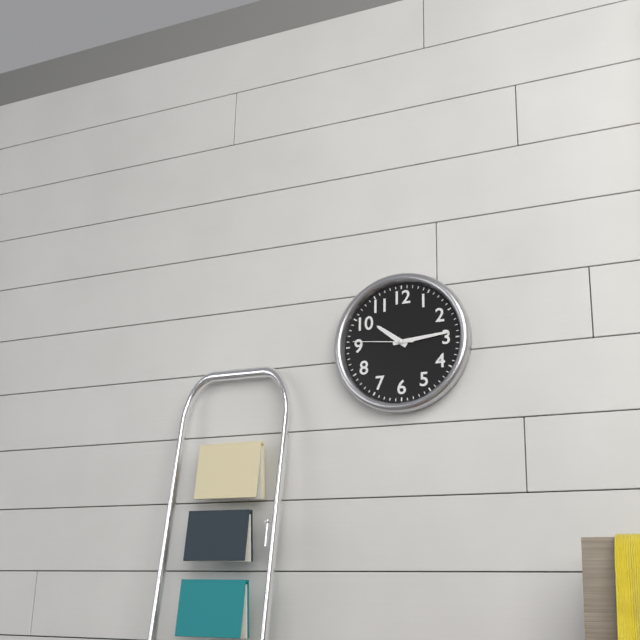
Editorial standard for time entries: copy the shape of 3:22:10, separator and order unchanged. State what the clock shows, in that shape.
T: 10:14:46
